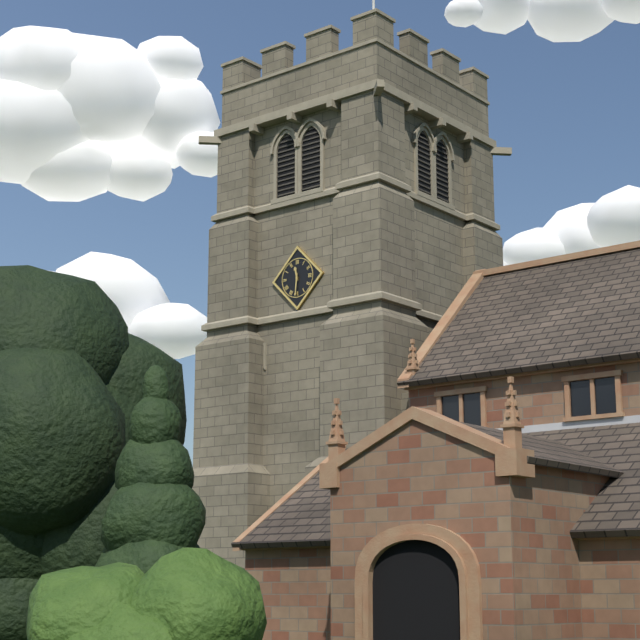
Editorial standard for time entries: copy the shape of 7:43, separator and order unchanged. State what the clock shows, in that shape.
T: 11:31
